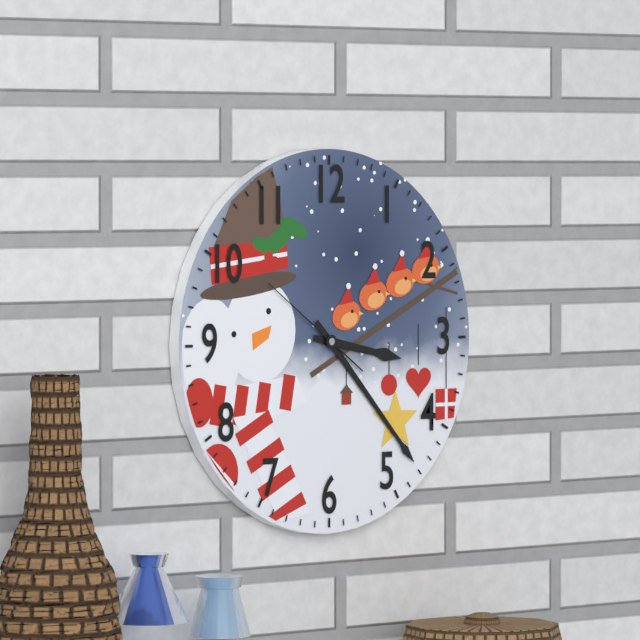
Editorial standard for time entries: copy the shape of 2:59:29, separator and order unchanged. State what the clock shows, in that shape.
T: 3:23:51
